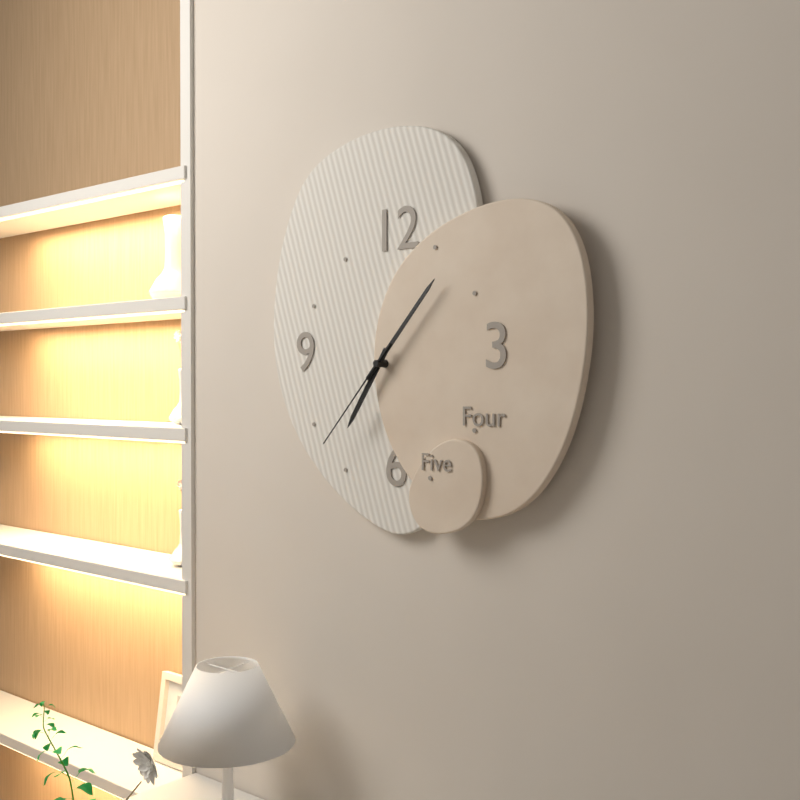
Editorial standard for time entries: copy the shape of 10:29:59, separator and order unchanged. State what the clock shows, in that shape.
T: 7:07:37
